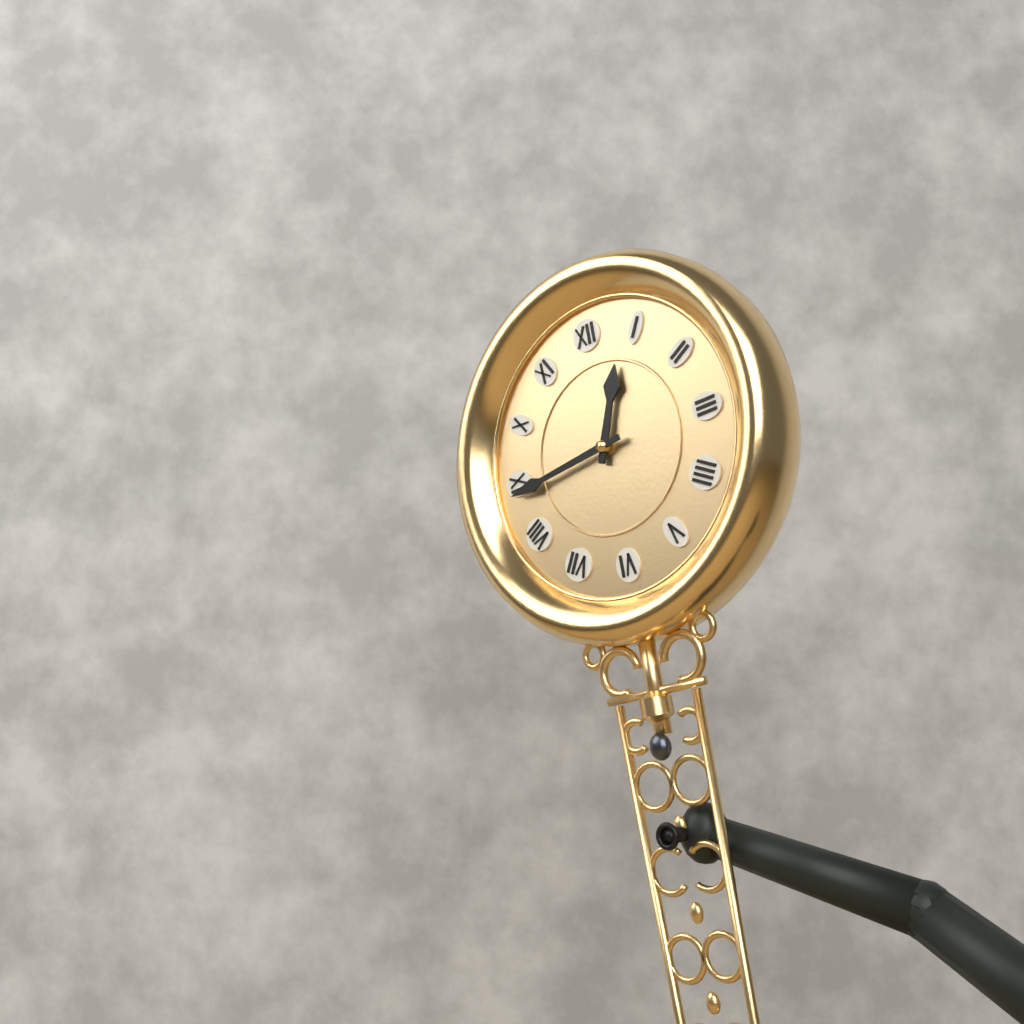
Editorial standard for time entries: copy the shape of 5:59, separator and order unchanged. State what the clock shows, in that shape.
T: 12:44
